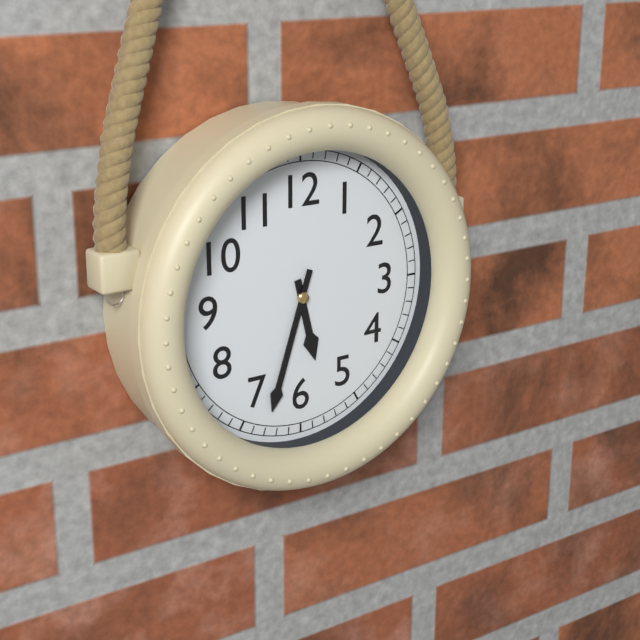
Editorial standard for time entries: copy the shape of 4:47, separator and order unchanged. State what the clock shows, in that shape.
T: 5:33
